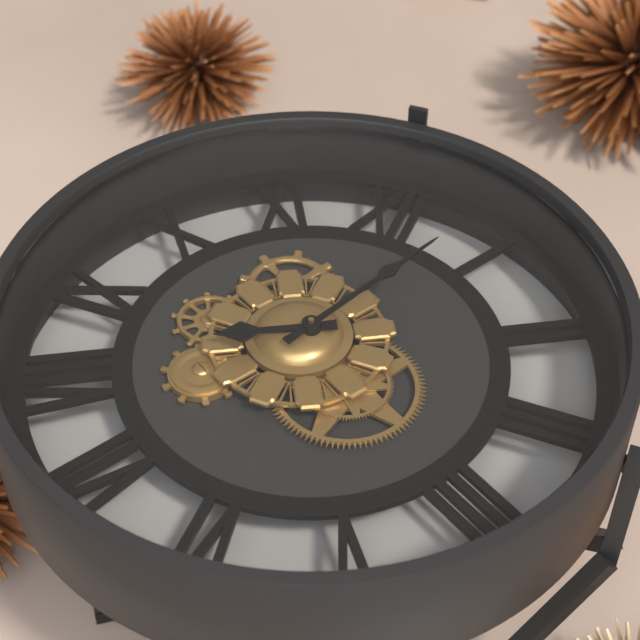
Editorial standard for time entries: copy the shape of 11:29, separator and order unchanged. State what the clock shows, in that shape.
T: 8:04
